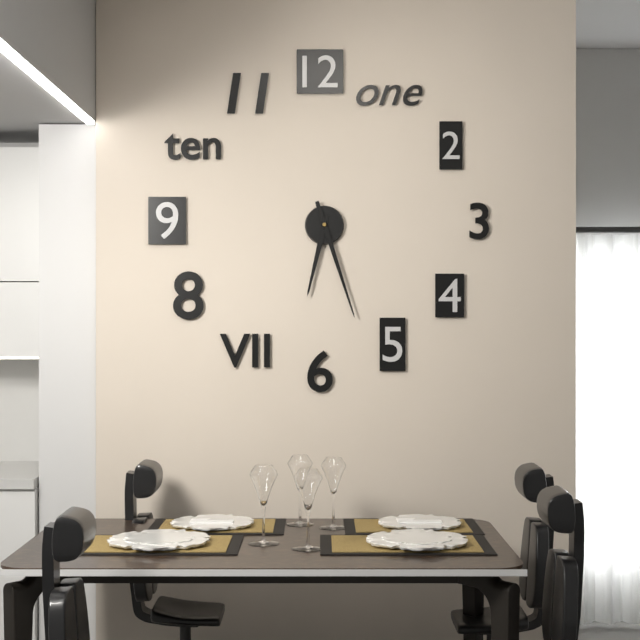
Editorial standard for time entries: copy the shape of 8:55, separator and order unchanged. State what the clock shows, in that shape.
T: 6:27
